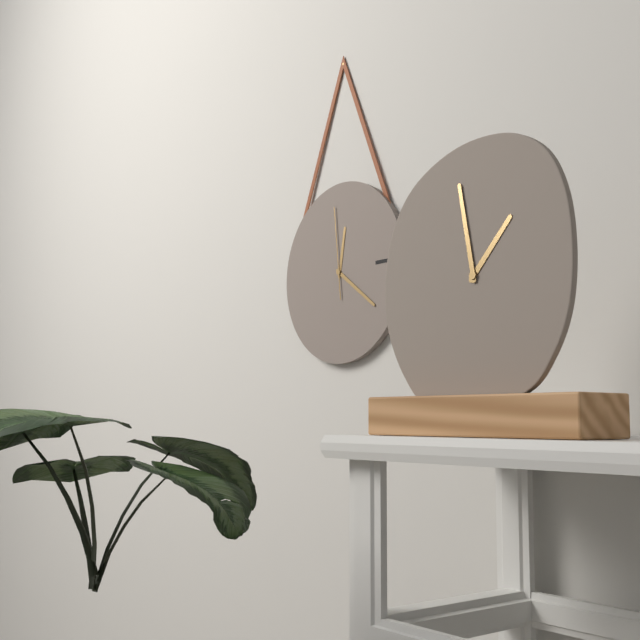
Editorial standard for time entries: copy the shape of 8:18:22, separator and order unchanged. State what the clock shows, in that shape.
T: 12:21:59
